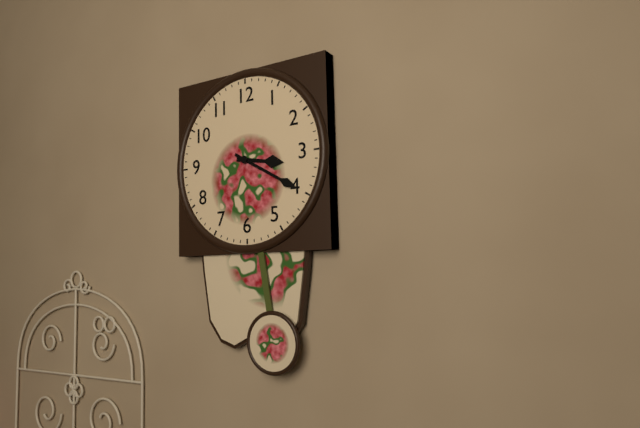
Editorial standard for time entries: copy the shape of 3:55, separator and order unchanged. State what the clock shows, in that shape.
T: 3:20
